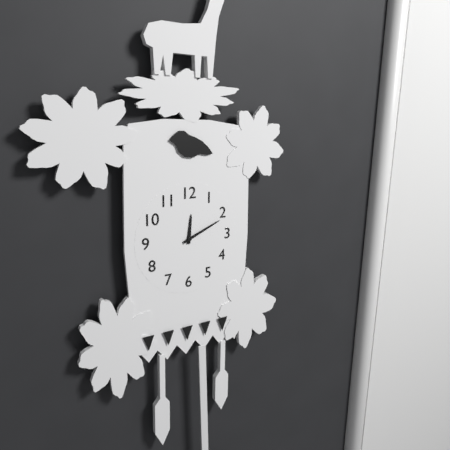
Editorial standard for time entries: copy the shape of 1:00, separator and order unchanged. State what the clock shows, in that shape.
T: 12:11
